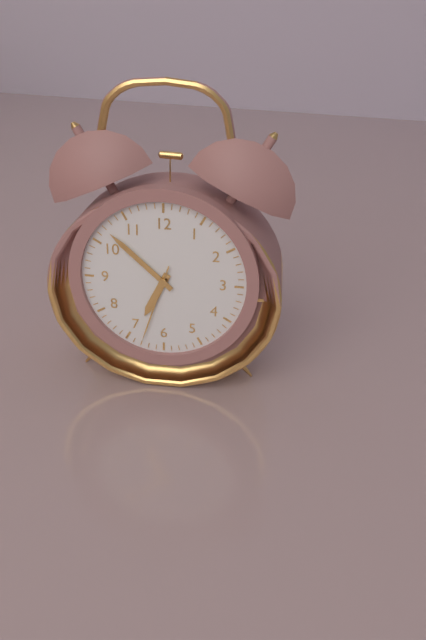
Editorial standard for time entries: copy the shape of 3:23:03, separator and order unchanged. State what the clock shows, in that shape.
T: 6:52:33
